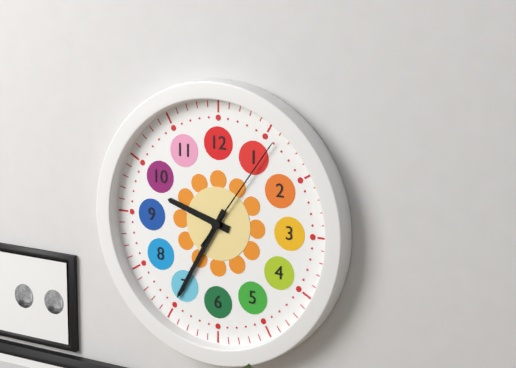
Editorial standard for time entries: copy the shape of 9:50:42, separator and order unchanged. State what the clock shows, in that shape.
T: 9:35:06
